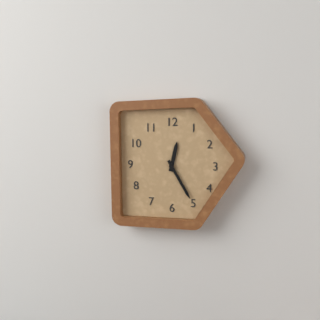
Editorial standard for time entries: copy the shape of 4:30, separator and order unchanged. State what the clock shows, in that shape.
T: 12:25
